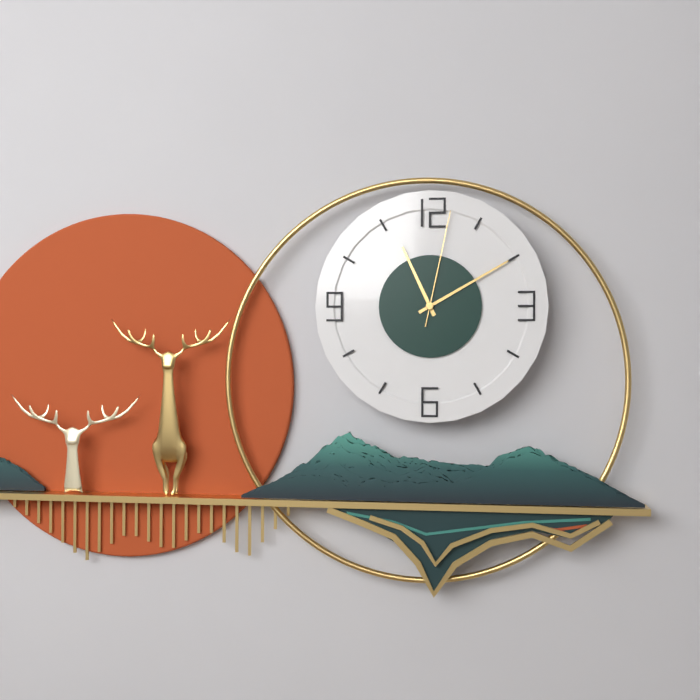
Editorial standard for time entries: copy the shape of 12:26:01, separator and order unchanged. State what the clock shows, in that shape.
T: 11:10:02
